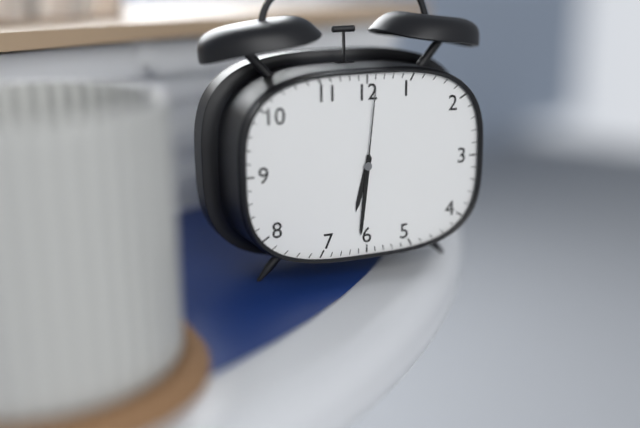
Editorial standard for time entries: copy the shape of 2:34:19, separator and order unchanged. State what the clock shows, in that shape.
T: 6:31:01
